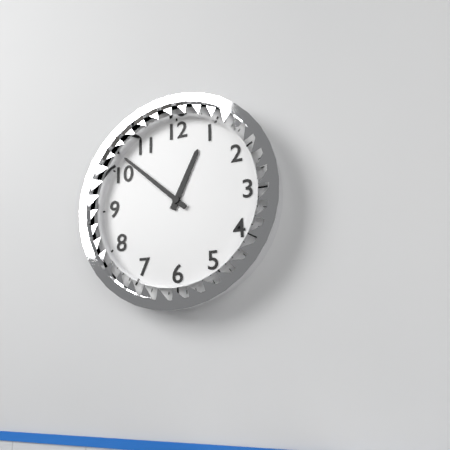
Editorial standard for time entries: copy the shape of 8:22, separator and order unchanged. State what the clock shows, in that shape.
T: 12:52
